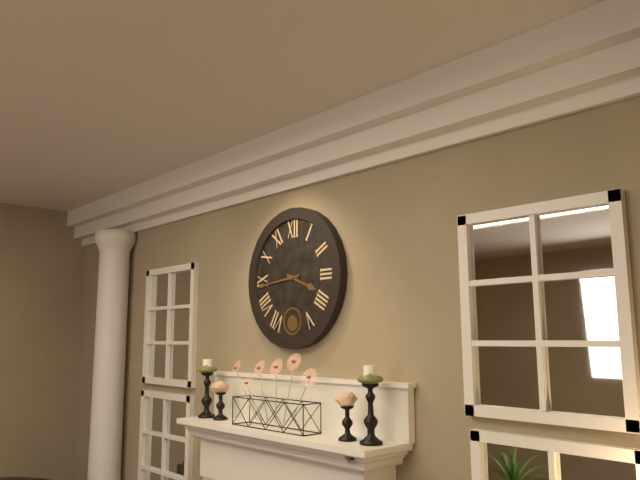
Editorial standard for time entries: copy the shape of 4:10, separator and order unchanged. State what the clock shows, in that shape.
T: 3:44
